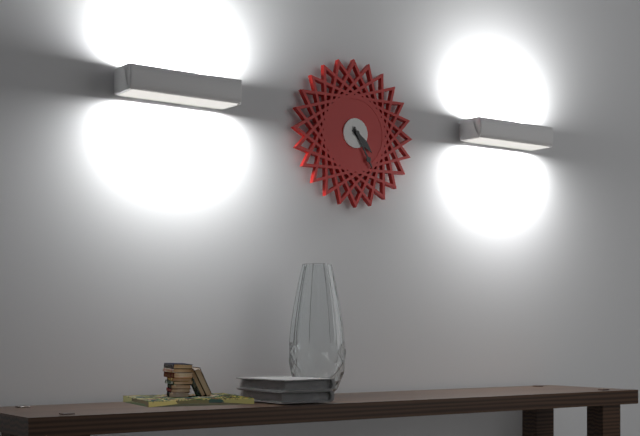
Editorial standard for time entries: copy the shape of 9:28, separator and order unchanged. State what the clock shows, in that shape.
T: 4:25
